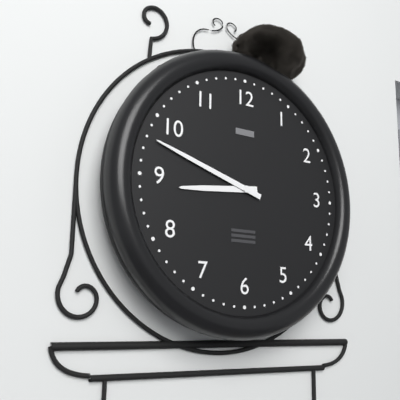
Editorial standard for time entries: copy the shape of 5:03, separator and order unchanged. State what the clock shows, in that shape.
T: 8:48
